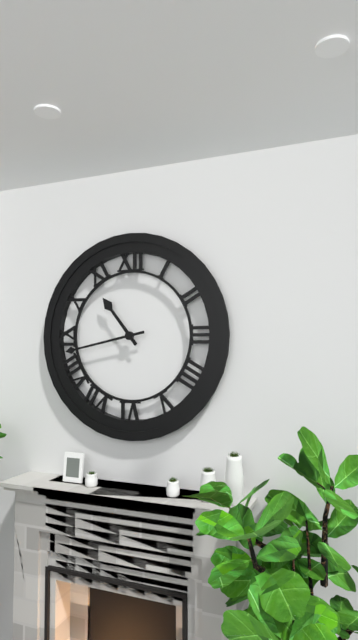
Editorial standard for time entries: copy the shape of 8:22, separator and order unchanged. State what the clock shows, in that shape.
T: 10:43
